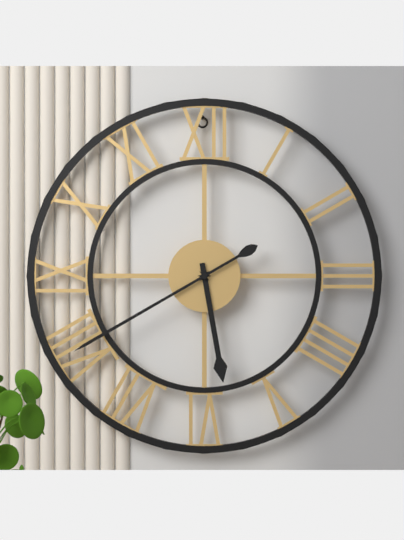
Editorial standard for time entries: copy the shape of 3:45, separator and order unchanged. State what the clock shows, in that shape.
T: 5:40
